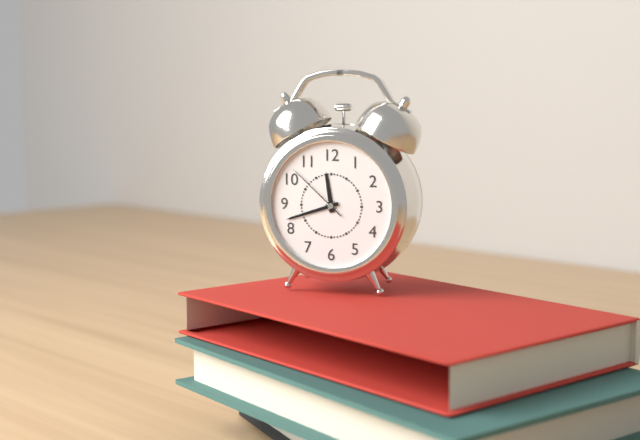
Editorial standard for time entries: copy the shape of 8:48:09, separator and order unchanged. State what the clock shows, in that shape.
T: 11:42:52
